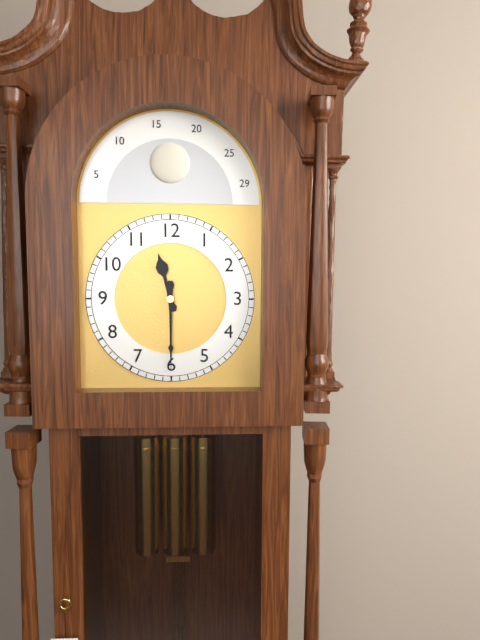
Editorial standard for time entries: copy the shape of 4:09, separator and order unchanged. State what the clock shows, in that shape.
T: 11:30
